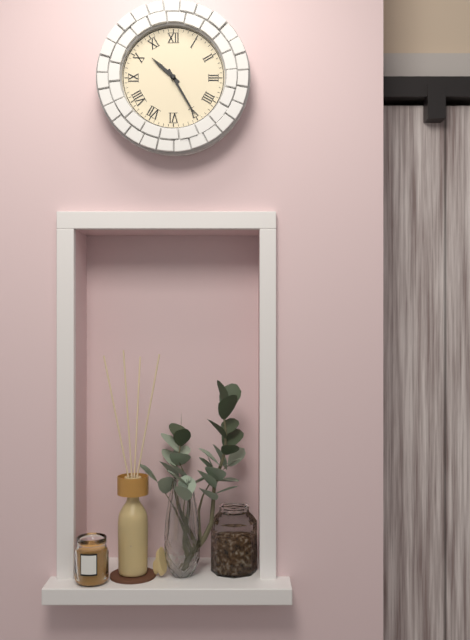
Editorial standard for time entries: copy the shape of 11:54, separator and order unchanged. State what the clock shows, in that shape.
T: 10:25
